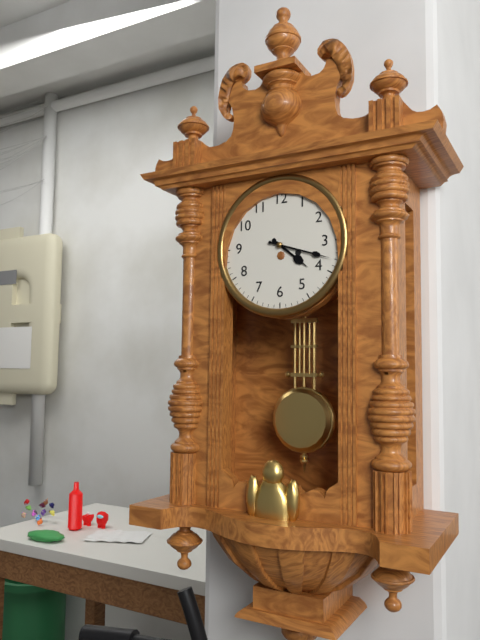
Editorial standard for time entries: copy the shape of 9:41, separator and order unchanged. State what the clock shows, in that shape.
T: 4:18
